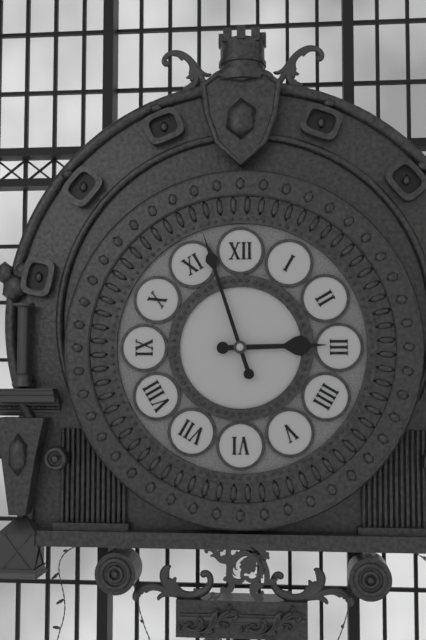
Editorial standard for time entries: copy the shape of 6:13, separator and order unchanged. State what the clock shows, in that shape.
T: 2:57
